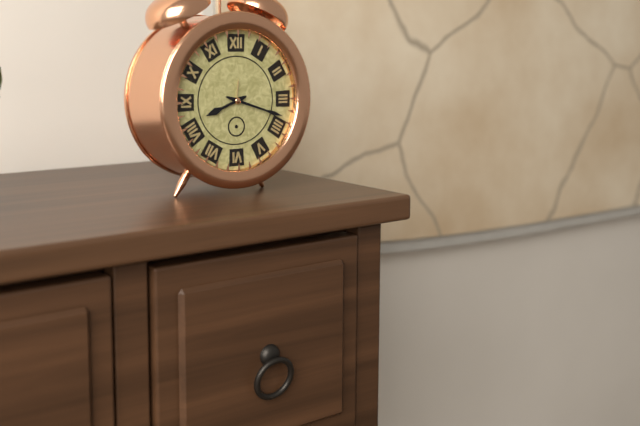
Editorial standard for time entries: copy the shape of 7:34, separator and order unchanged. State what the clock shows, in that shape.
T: 8:18
